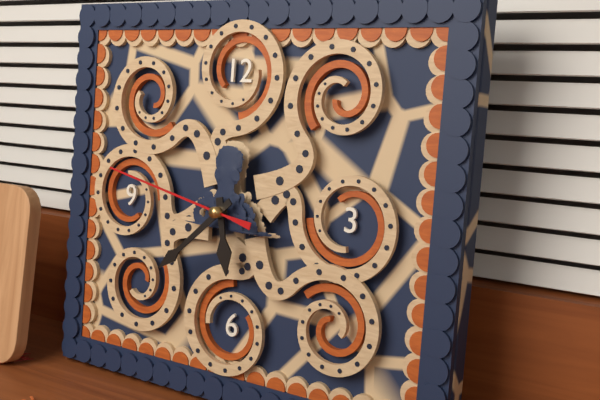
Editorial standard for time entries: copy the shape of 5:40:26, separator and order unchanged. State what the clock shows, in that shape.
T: 5:38:47
